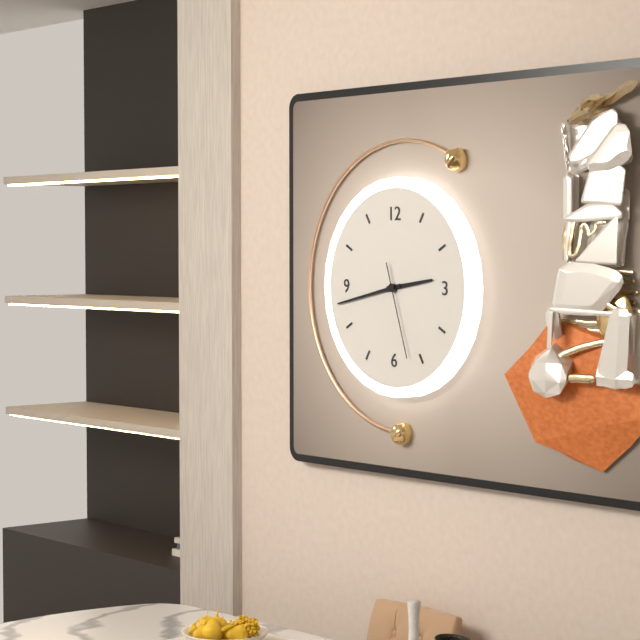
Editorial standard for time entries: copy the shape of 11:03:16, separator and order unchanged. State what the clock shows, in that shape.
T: 2:43:27
